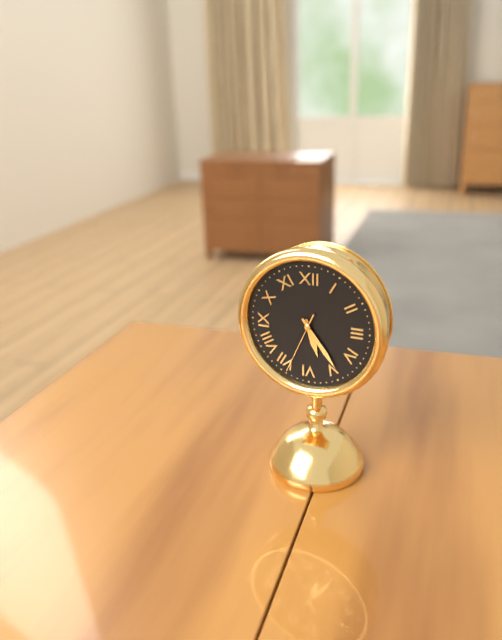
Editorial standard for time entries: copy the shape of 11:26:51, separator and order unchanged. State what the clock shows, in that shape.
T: 5:24:34
